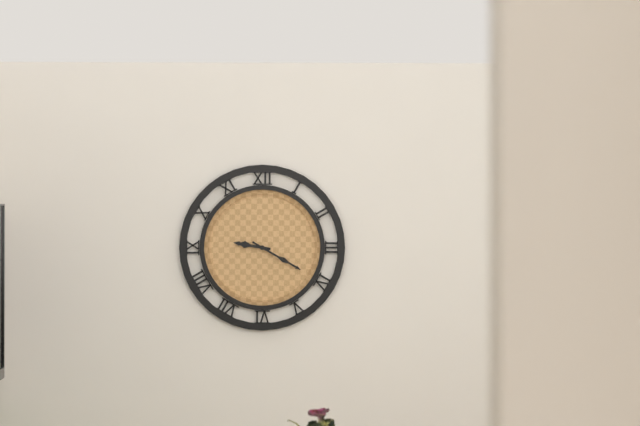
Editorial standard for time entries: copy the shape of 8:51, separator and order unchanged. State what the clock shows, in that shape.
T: 9:20
